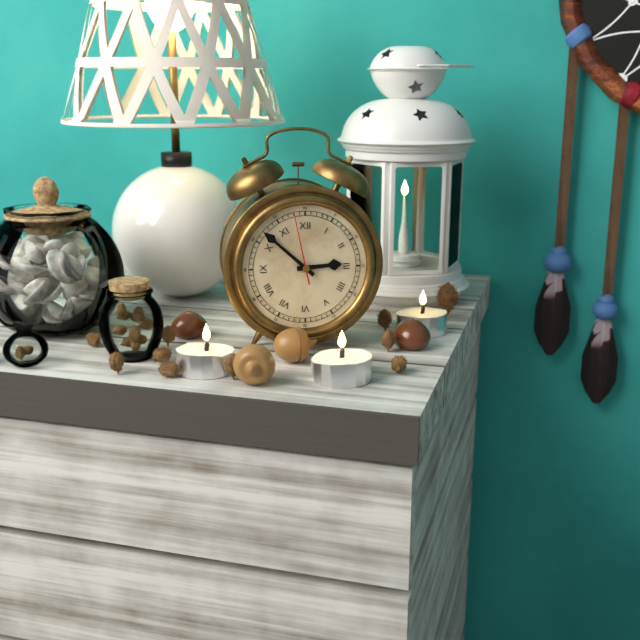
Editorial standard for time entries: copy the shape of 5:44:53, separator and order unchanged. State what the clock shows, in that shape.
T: 2:52:58
